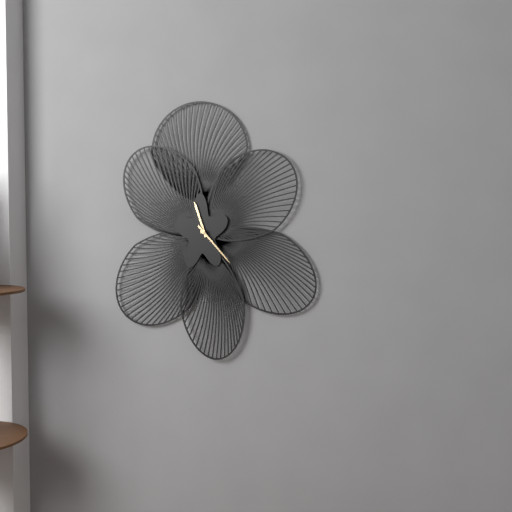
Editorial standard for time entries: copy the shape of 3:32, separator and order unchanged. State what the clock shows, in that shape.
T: 11:23
